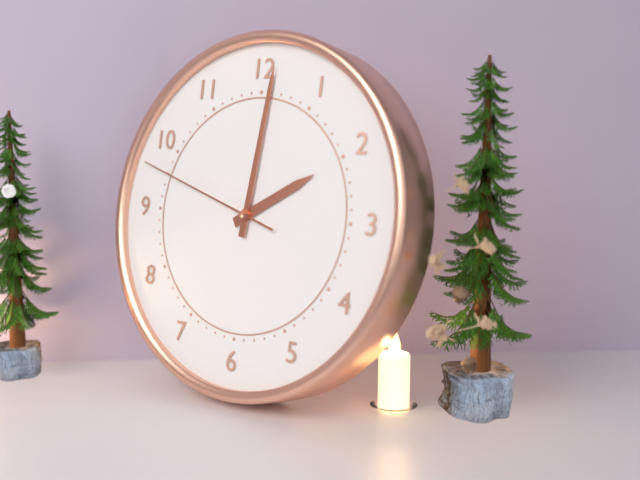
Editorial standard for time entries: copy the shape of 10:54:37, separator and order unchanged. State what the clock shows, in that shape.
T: 2:01:48
